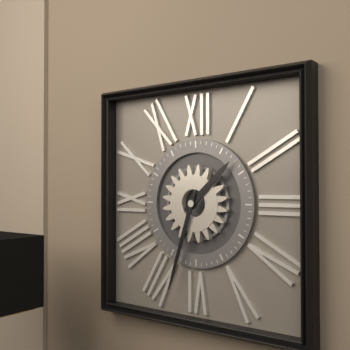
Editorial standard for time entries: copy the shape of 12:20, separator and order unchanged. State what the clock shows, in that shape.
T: 1:33
